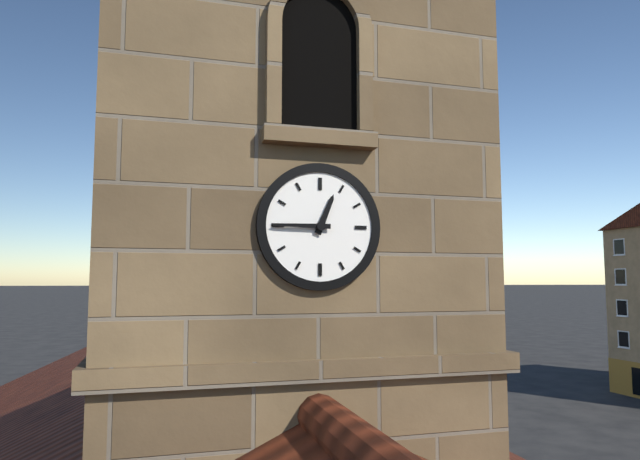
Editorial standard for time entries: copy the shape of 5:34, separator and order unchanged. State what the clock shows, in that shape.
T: 12:45
